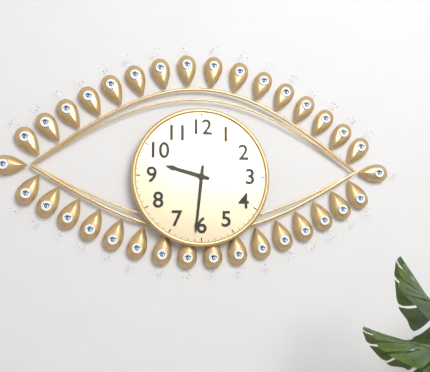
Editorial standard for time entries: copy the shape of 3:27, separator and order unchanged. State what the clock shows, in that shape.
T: 9:31
